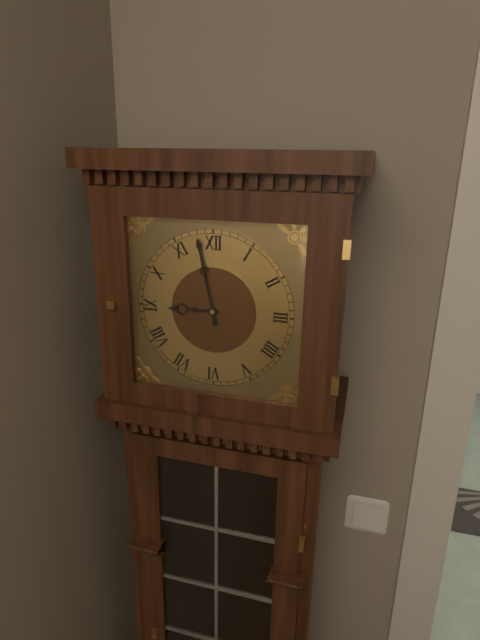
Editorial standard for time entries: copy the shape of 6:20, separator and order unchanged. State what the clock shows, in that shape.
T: 8:58
